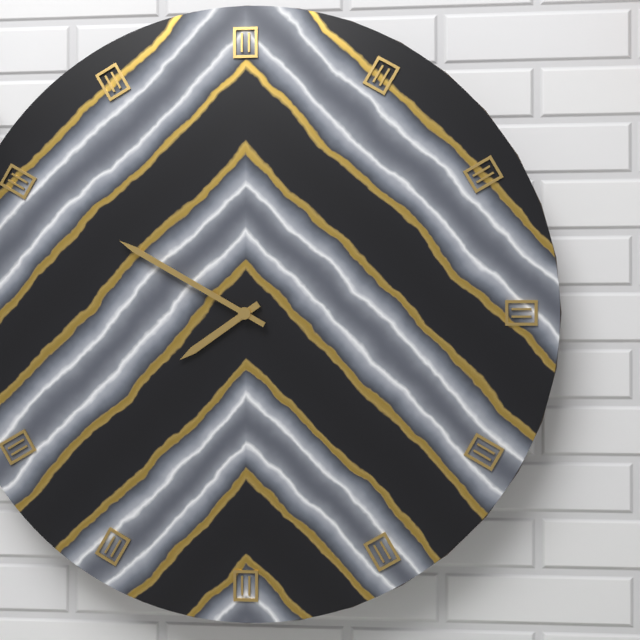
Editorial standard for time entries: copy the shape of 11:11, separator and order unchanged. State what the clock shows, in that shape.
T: 7:50
